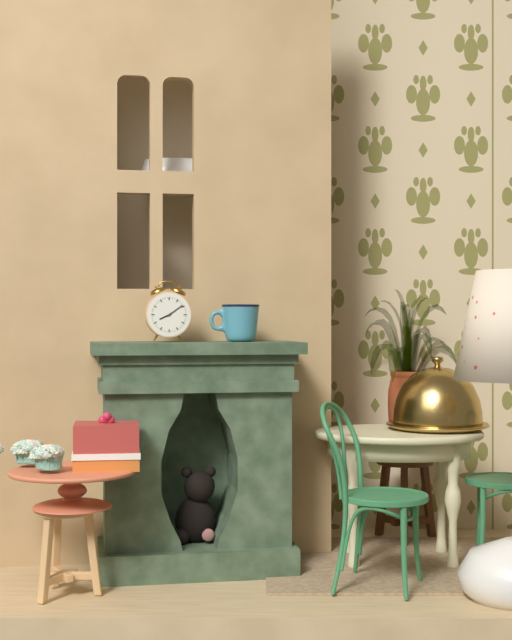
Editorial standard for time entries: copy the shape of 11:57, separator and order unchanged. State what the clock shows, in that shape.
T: 8:09
